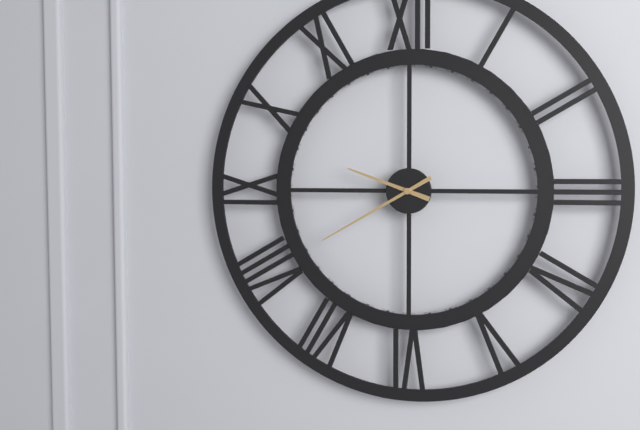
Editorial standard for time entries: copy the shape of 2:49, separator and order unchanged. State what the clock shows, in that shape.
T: 9:40
